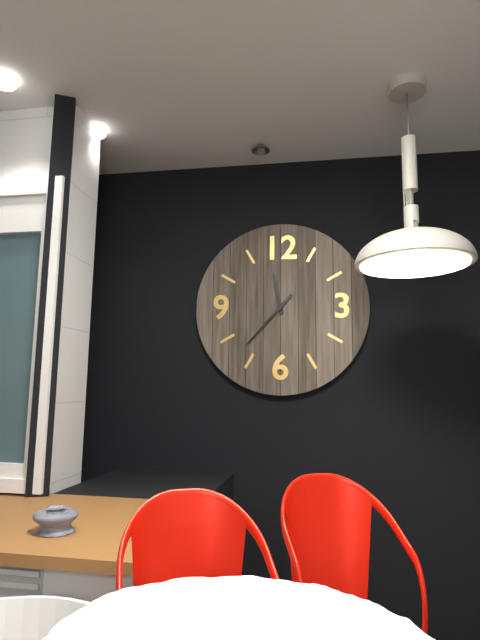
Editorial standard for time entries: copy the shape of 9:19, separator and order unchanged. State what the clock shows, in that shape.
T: 11:37
